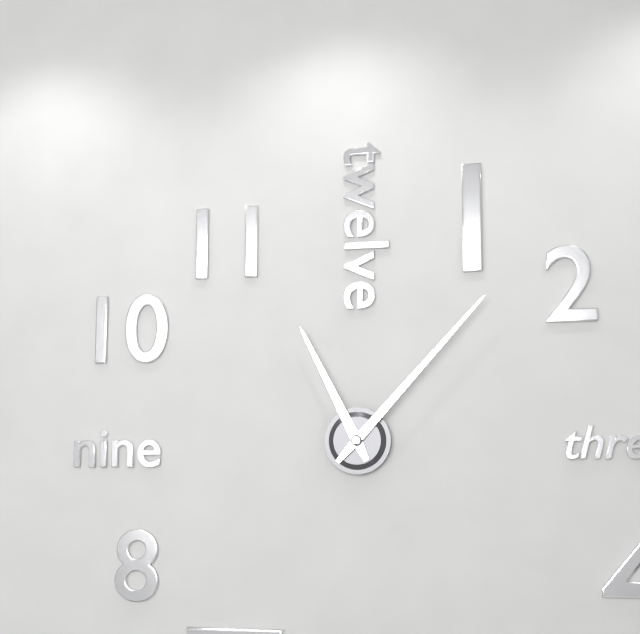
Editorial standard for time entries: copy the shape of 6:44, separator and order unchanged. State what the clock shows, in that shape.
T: 11:07
